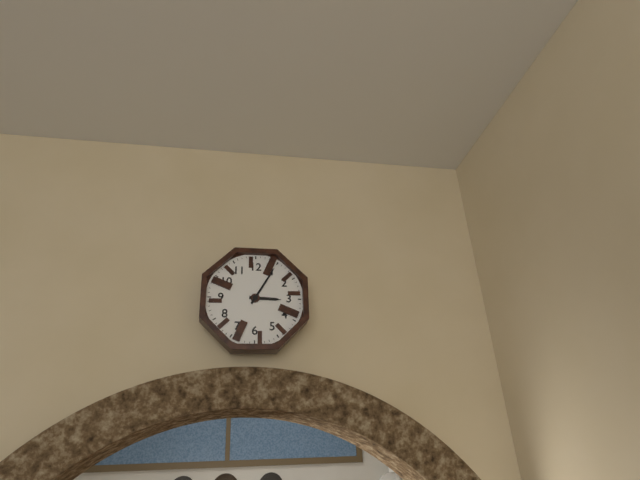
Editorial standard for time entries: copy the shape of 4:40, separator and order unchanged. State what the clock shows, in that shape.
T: 3:05
